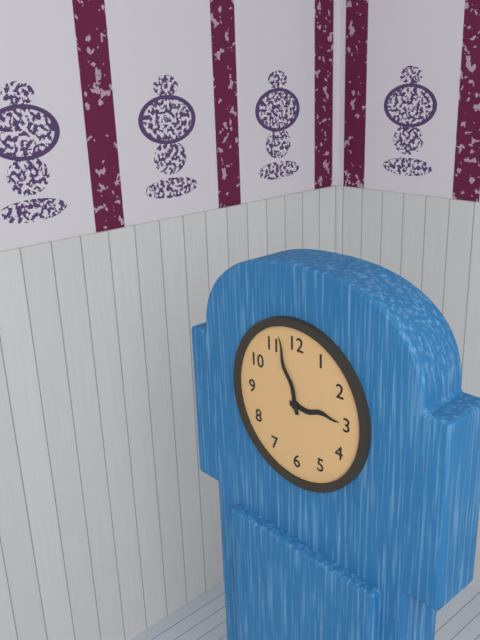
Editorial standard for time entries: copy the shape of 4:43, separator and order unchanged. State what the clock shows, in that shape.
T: 2:57
